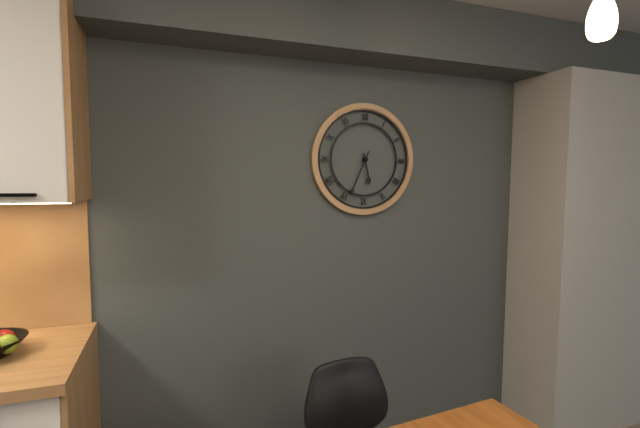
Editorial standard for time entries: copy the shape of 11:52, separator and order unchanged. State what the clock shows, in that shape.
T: 5:34
